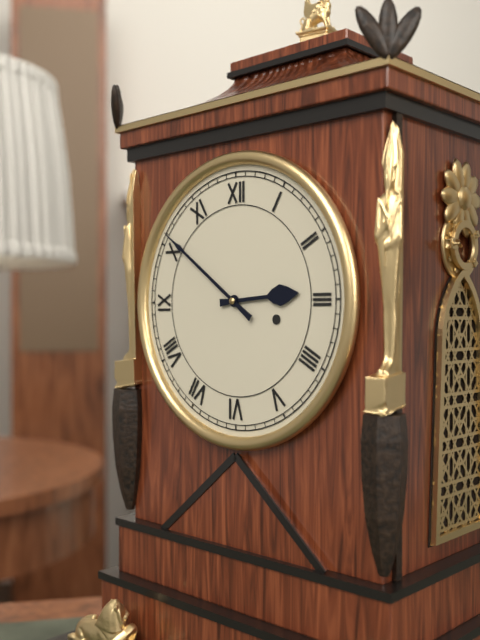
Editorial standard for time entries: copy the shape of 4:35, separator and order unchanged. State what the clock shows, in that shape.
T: 2:51
